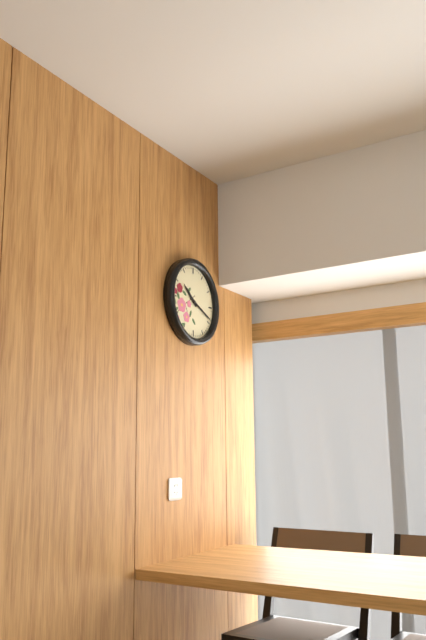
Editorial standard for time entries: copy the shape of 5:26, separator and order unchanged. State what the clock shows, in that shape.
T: 10:19
